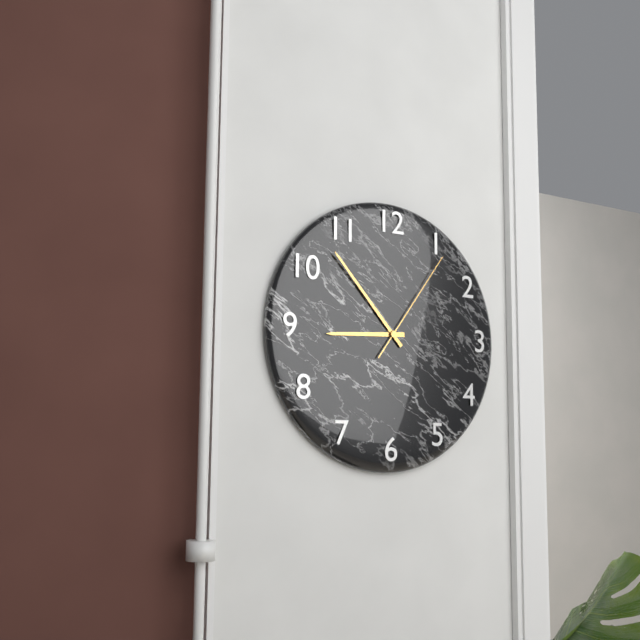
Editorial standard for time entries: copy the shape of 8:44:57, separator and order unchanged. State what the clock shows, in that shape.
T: 8:53:06
